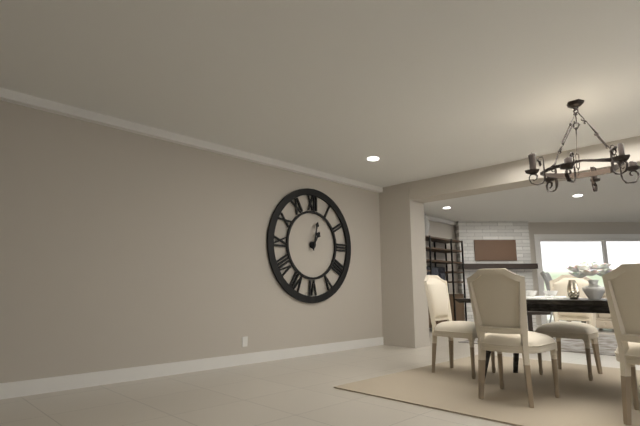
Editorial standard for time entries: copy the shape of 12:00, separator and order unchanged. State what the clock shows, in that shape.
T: 1:02
